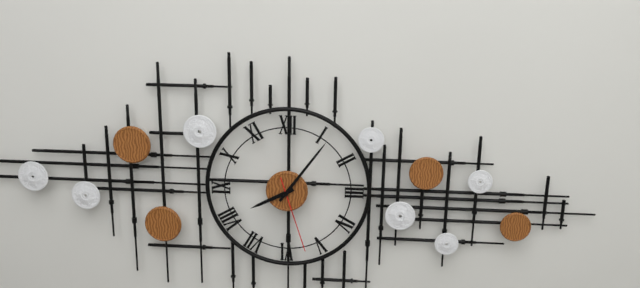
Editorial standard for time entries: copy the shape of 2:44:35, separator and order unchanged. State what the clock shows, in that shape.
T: 8:06:27
